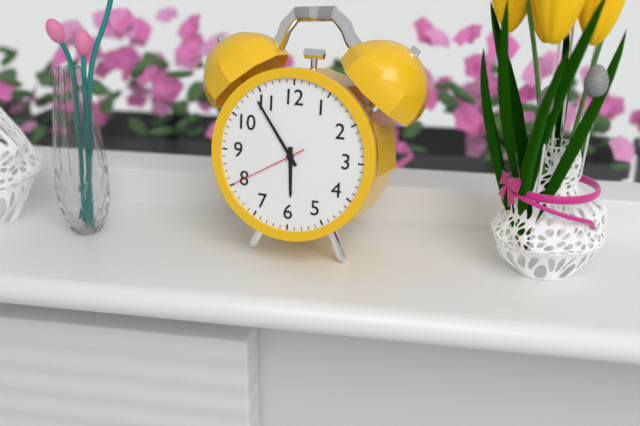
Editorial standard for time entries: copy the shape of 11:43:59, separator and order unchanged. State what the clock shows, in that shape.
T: 5:54:40
